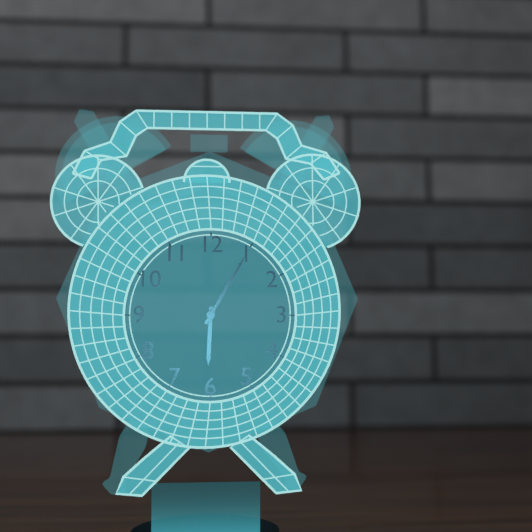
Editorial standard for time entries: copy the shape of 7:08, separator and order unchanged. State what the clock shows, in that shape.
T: 6:05
